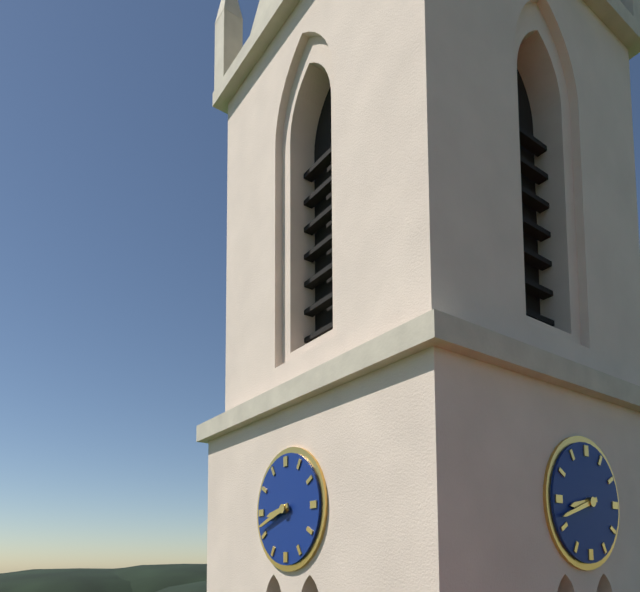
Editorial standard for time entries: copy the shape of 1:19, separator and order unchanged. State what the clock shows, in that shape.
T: 8:42
